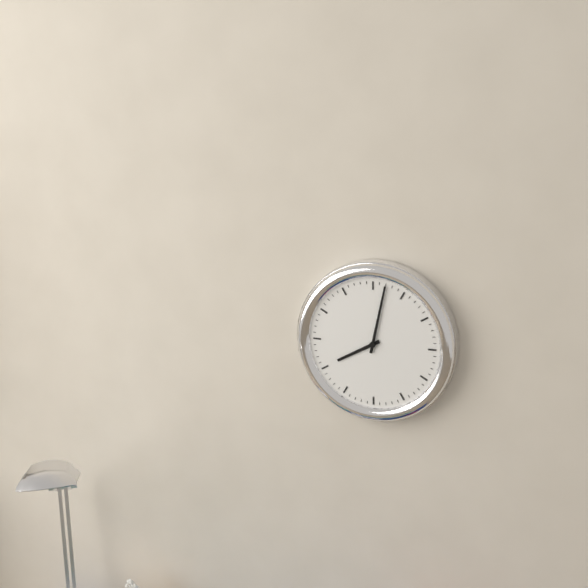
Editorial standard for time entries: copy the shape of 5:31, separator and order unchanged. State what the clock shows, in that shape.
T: 8:02
